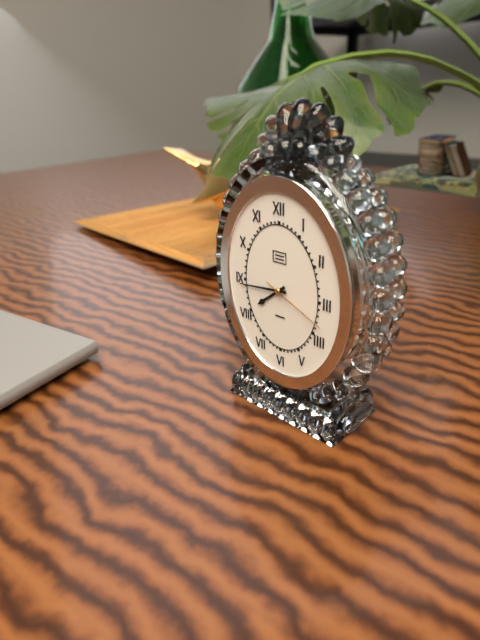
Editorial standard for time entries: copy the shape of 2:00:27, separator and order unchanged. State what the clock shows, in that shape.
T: 7:44:19
